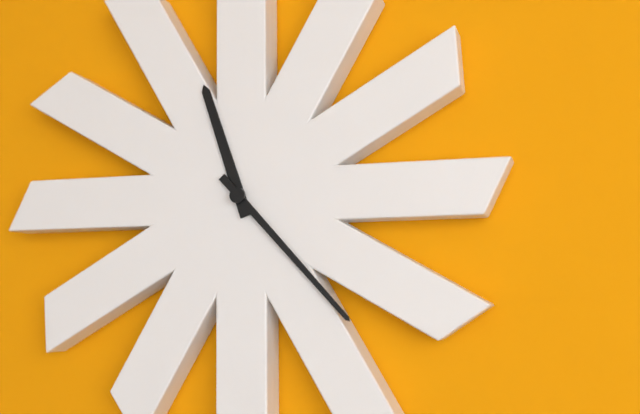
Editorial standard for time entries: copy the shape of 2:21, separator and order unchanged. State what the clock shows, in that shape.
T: 11:23
